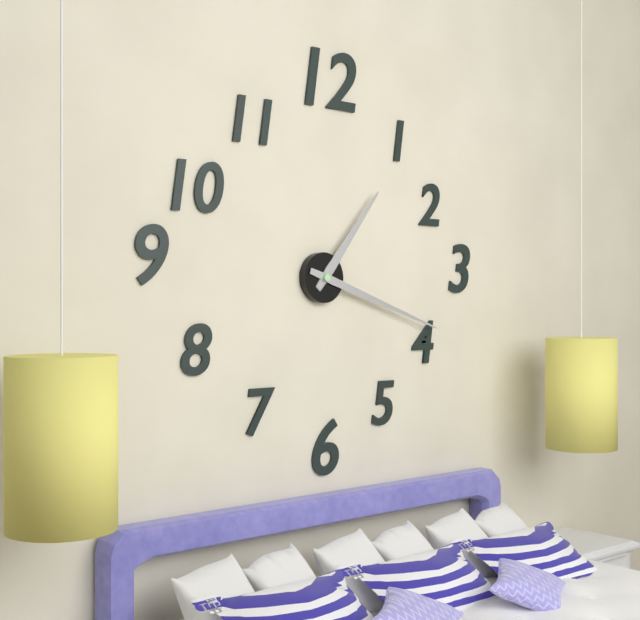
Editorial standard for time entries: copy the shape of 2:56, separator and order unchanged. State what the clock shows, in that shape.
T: 1:18
